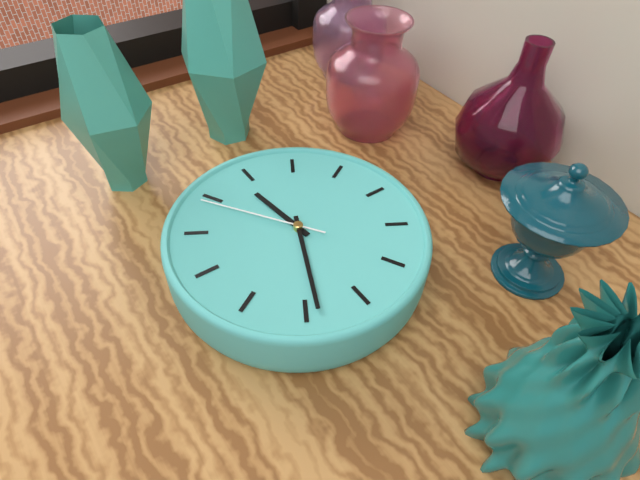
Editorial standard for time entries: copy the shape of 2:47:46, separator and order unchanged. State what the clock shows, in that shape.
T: 1:44:04
